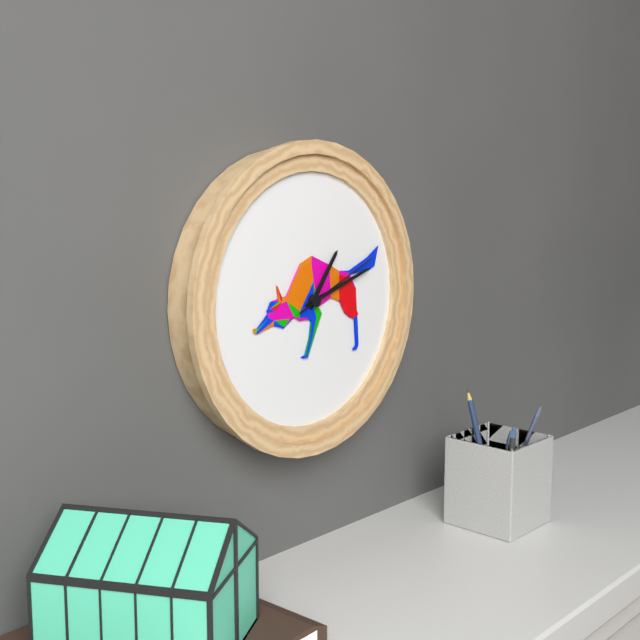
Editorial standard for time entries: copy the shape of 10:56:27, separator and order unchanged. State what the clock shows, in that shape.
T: 1:12:11
